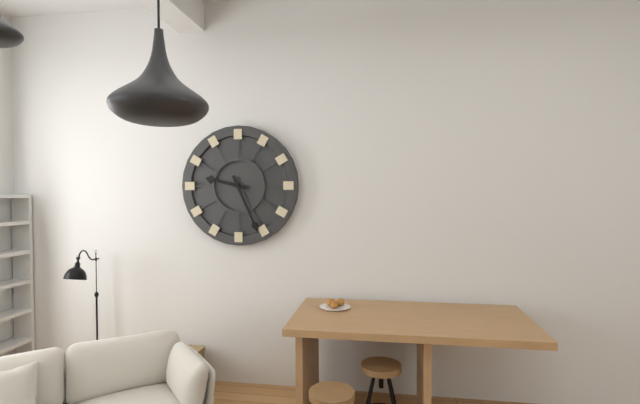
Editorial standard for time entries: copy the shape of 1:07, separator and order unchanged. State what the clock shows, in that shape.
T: 9:26
